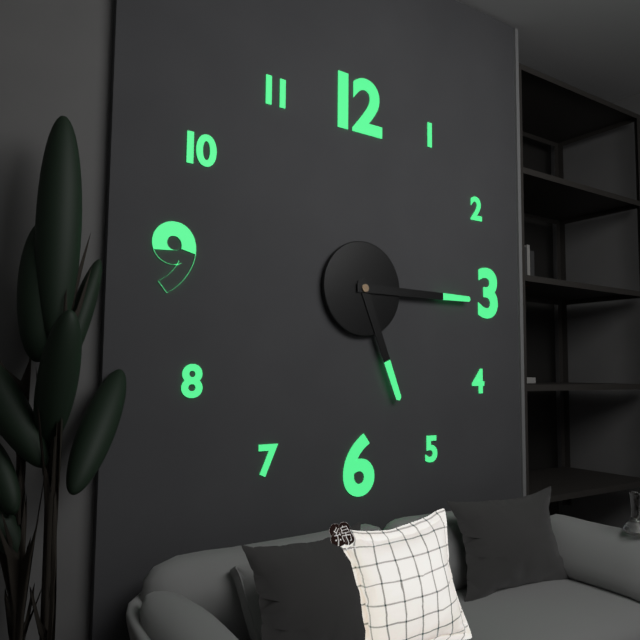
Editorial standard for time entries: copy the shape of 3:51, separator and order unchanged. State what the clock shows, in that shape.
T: 5:15
